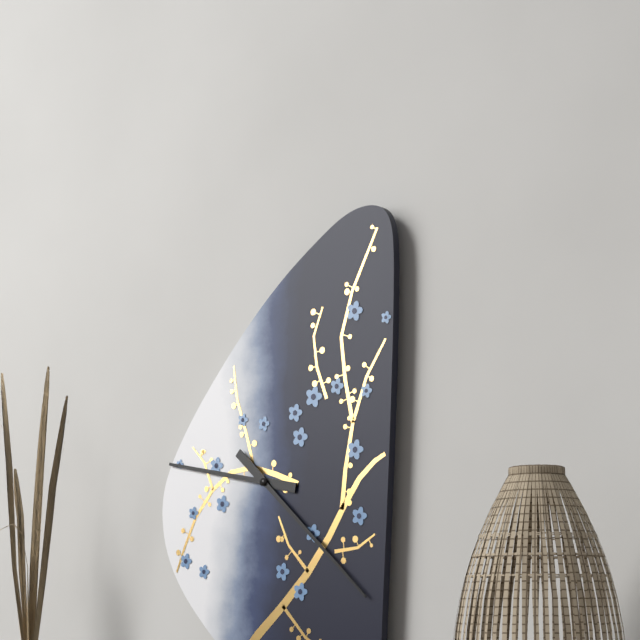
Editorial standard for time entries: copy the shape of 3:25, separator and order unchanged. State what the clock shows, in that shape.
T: 9:22
